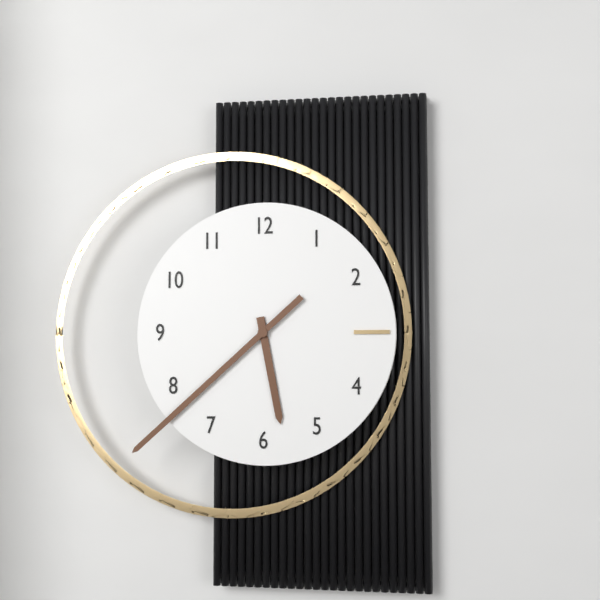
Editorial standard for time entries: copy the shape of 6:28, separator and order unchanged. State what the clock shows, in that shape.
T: 5:38
